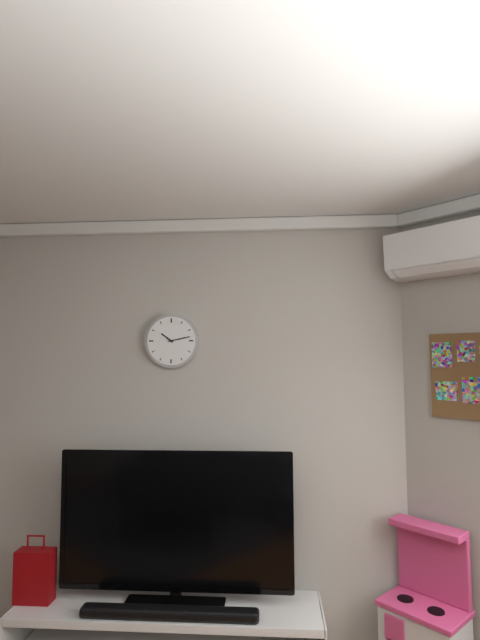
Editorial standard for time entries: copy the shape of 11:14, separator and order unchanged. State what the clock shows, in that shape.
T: 10:13
